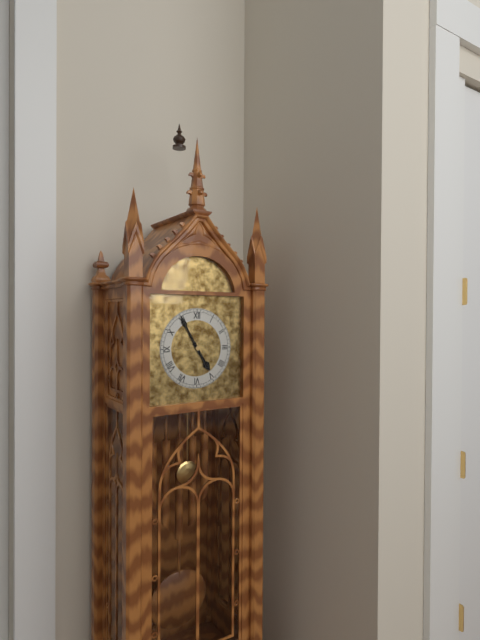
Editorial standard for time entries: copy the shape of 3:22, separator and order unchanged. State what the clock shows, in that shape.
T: 4:55
